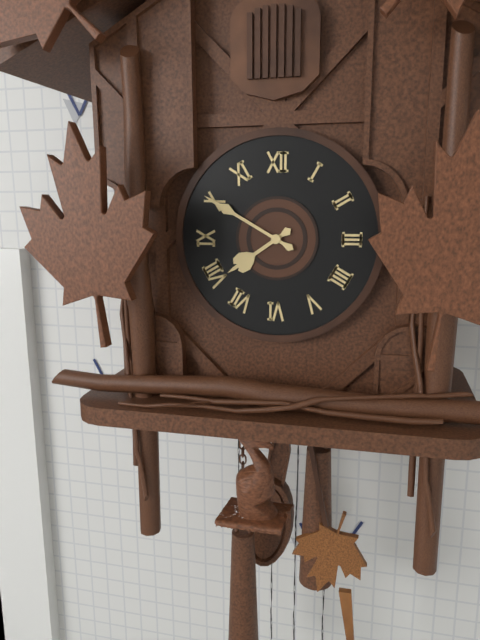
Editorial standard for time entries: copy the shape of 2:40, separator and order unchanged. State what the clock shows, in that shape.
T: 7:50
